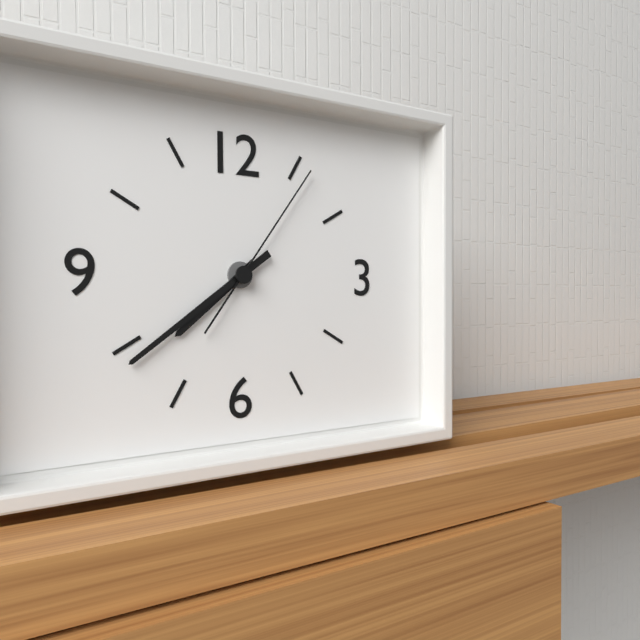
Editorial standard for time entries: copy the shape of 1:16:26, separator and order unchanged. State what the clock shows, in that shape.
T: 7:39:06
